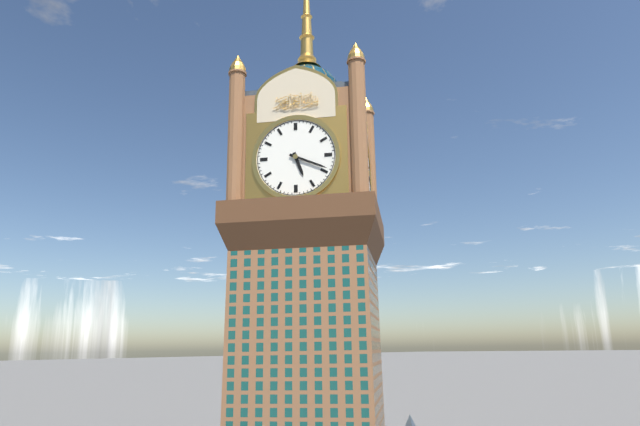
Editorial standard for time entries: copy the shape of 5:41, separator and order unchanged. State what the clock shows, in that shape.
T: 5:19
